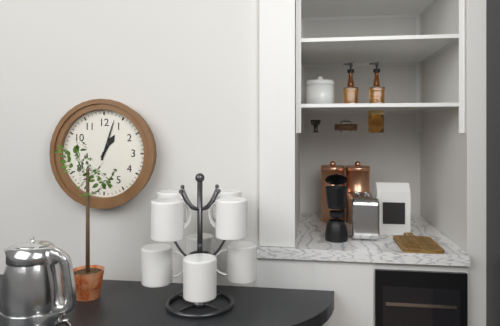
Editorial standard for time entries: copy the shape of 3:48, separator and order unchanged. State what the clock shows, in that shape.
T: 1:03
